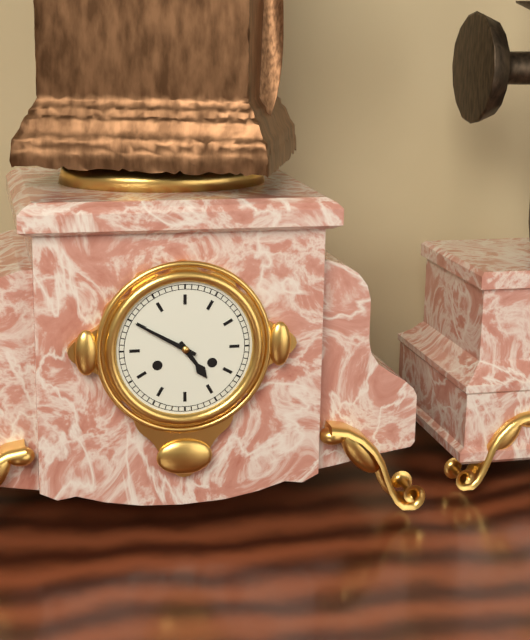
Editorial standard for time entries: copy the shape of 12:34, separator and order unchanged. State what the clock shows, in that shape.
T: 4:50
